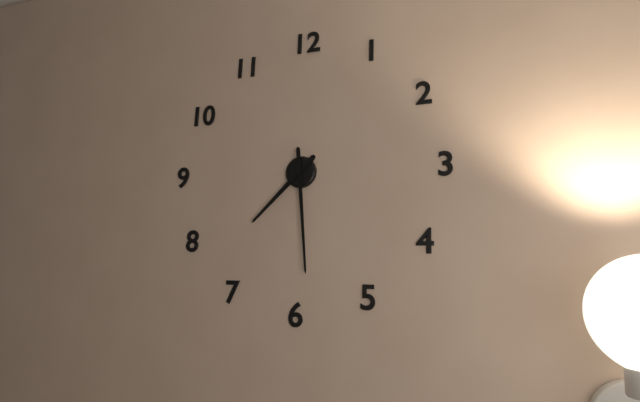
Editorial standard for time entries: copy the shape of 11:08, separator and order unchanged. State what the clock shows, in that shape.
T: 7:29
